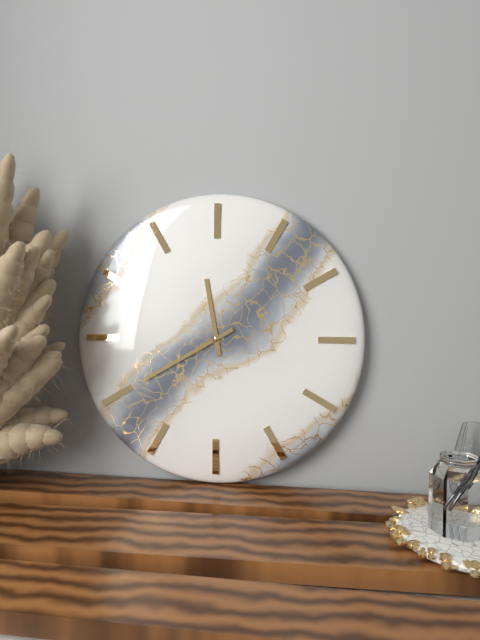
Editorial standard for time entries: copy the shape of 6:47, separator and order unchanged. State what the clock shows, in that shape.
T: 11:40
